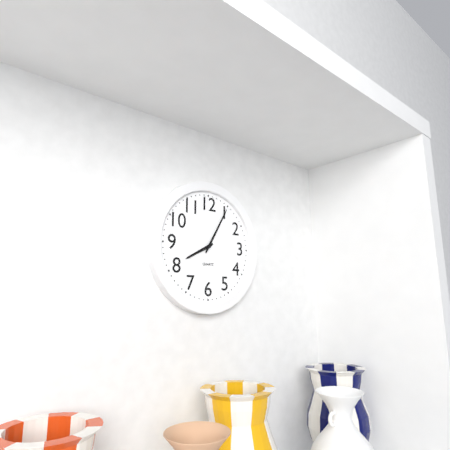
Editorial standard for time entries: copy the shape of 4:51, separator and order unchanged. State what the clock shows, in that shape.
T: 8:05
